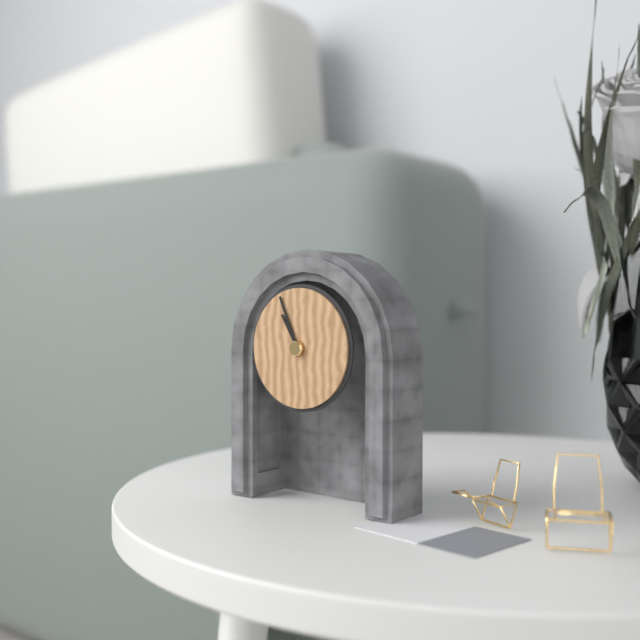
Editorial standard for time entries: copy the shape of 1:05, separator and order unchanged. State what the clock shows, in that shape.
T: 10:56
